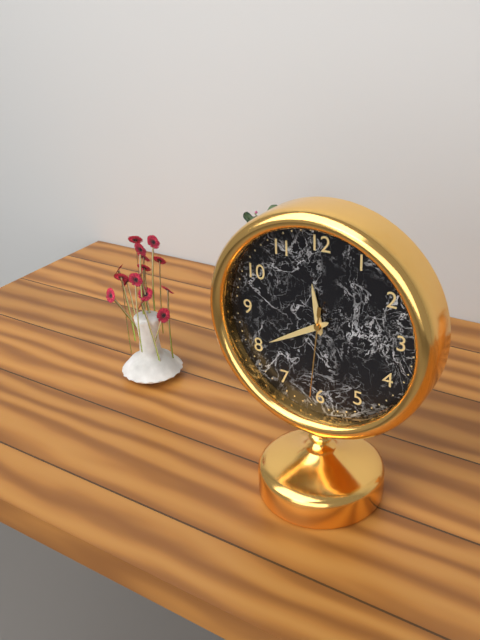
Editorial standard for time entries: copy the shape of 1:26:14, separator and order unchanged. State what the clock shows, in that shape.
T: 11:40:31
